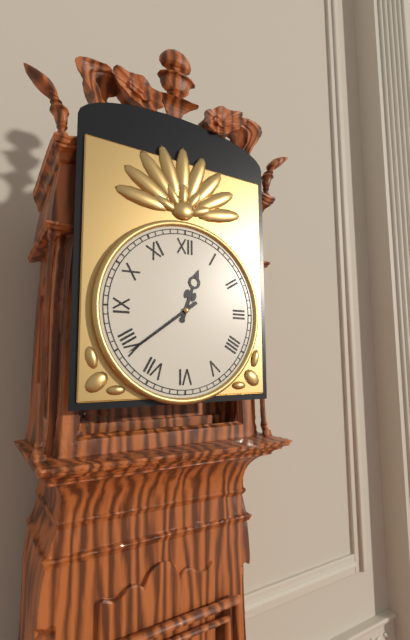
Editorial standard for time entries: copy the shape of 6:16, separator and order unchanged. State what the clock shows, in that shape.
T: 12:39
